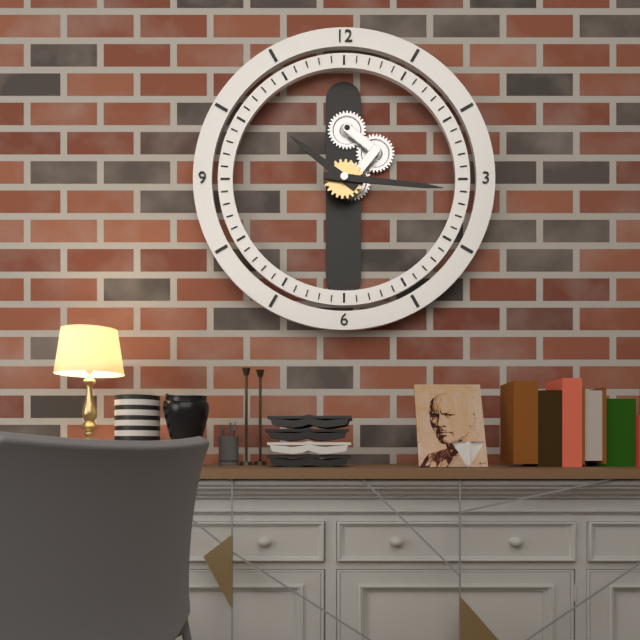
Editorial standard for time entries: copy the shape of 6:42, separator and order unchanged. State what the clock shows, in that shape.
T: 10:16
